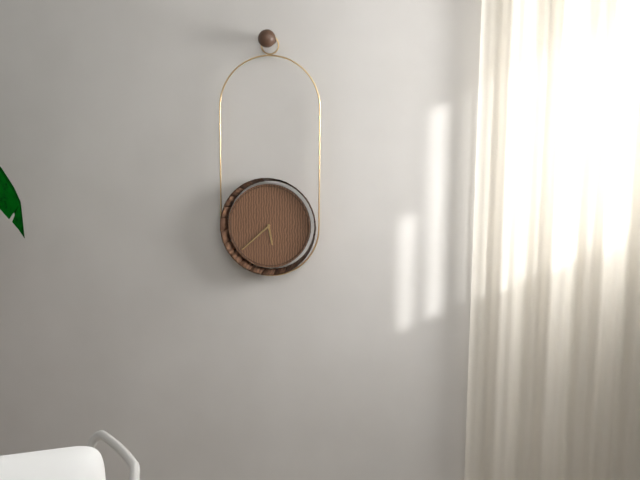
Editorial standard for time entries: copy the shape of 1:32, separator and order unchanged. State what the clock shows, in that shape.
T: 5:38
